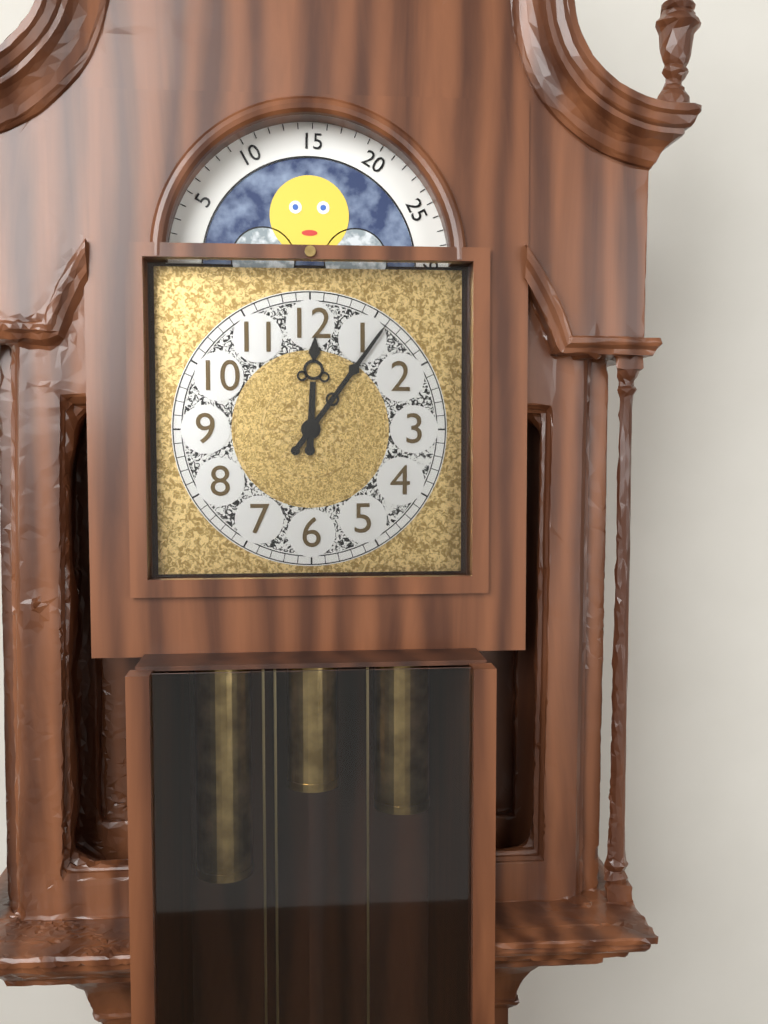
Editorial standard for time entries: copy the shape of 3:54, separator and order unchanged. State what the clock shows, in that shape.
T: 12:06
